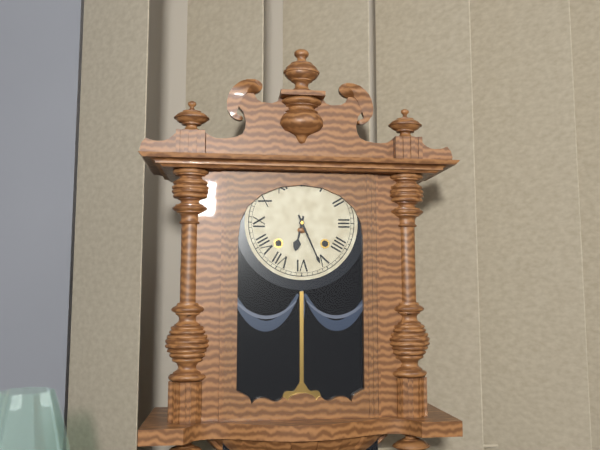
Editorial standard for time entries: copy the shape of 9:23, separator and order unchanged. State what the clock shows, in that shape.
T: 6:26
